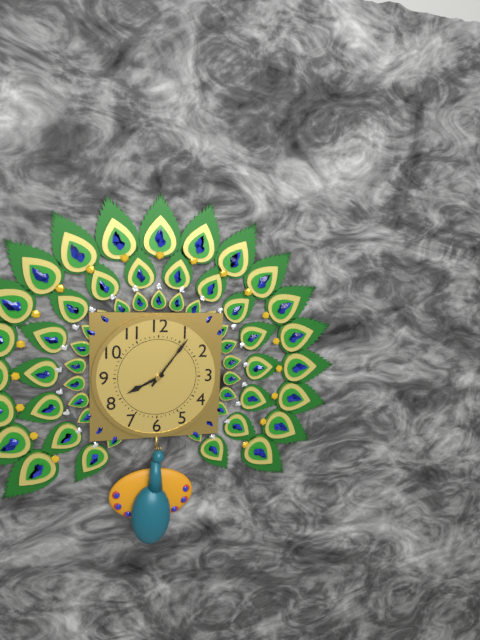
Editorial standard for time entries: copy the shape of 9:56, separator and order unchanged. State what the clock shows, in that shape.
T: 8:06
